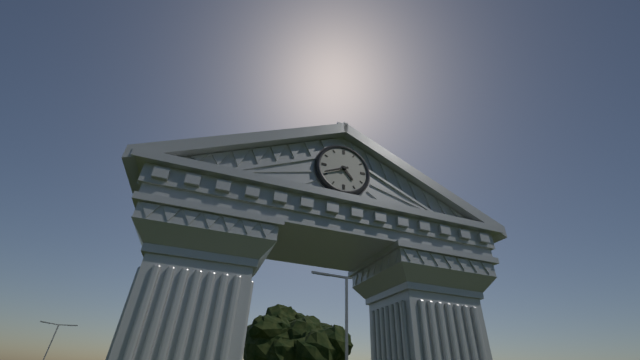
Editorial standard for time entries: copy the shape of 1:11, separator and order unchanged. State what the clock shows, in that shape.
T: 4:41
